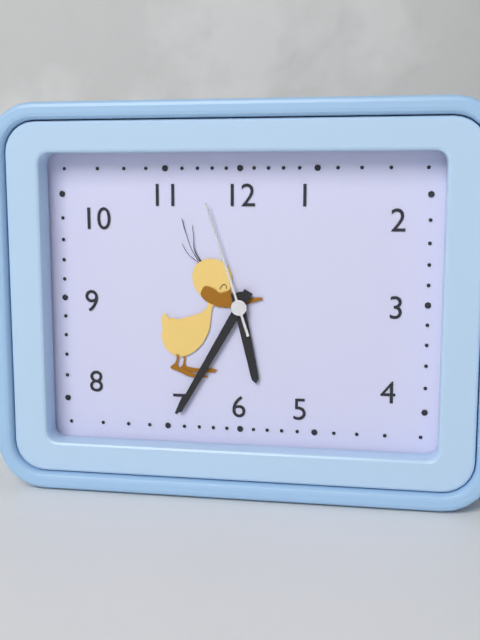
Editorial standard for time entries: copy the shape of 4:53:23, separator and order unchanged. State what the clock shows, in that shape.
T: 5:35:57
